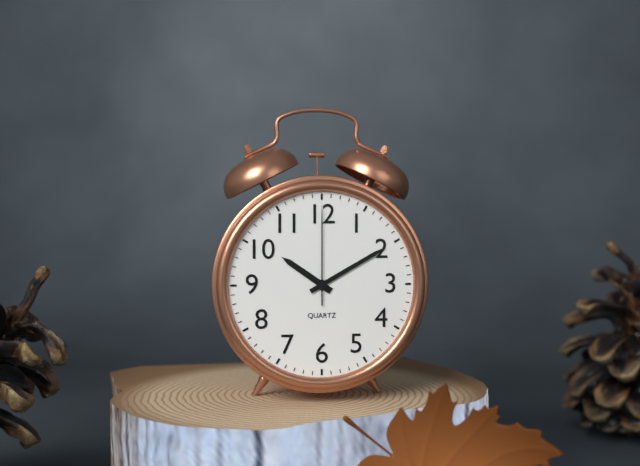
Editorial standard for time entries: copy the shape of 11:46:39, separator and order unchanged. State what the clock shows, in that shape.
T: 10:10:00
